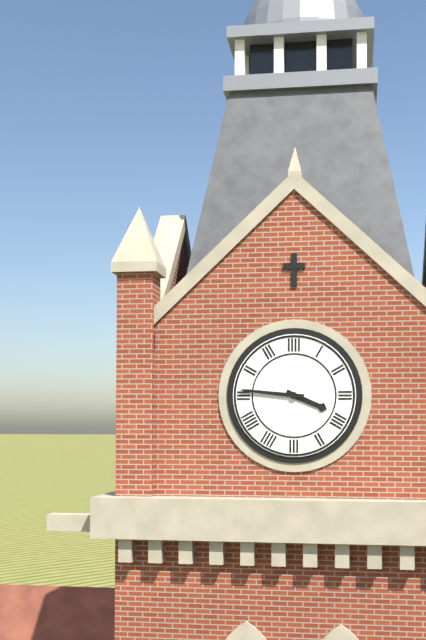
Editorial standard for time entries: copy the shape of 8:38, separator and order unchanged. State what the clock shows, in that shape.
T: 3:46
